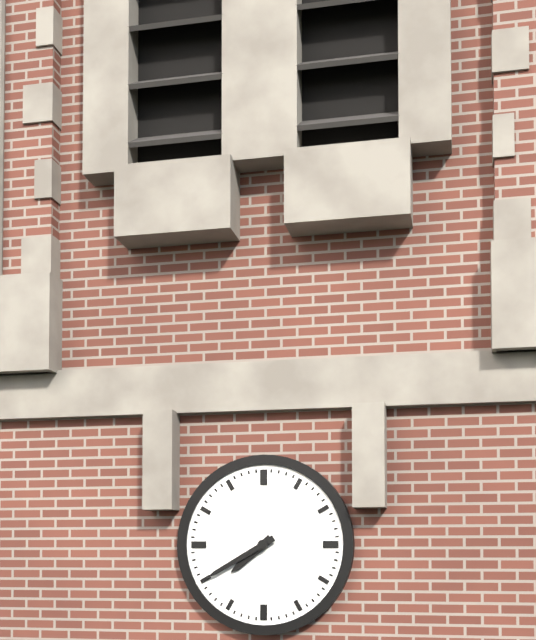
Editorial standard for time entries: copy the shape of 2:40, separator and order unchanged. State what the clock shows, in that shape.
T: 7:40
